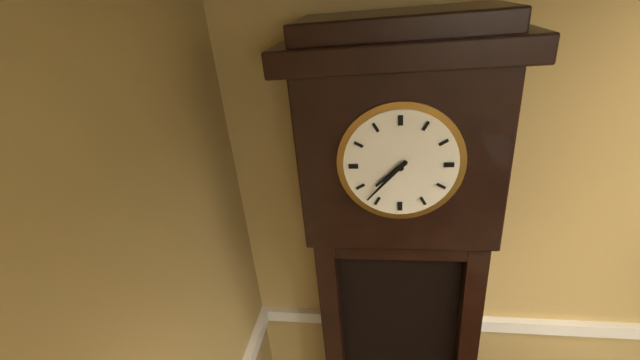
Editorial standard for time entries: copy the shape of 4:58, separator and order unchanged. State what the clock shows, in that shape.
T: 7:37
